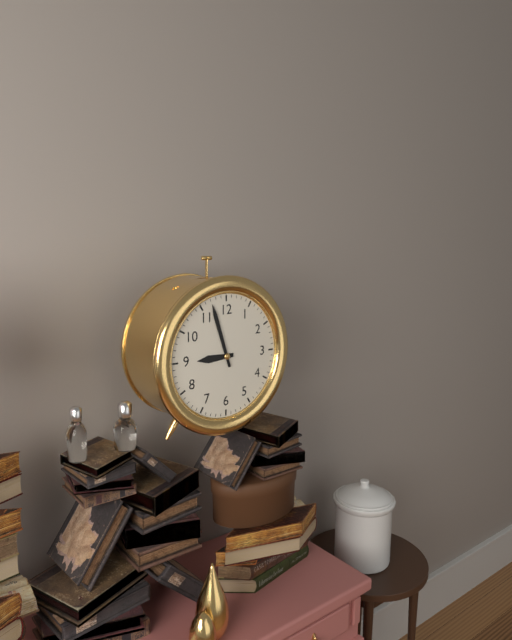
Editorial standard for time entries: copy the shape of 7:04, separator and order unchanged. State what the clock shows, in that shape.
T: 8:57
